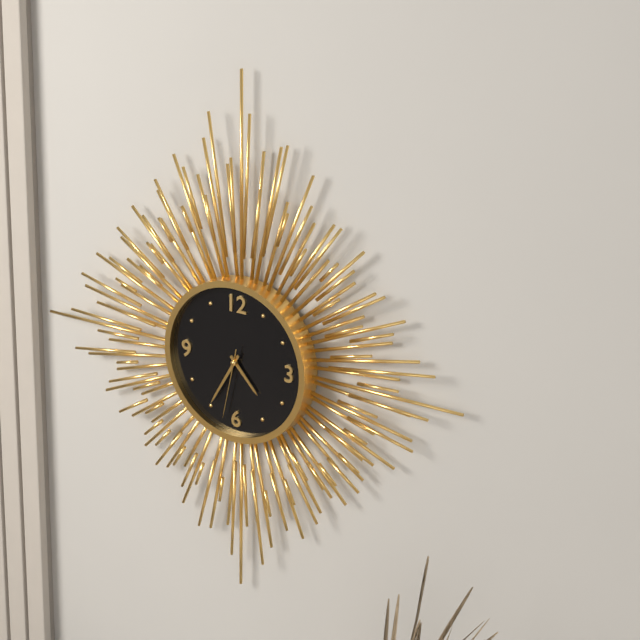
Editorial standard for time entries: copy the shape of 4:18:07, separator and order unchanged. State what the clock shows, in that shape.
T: 4:35:32
